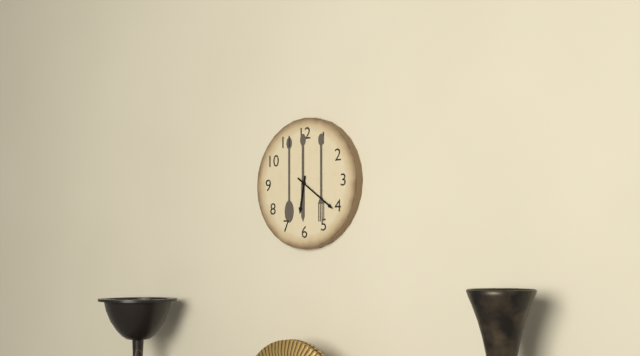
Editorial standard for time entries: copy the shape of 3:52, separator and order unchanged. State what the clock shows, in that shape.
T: 6:21
